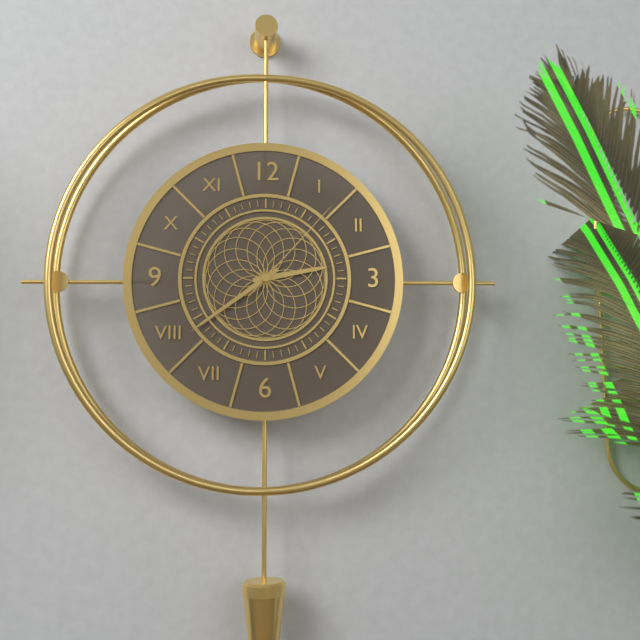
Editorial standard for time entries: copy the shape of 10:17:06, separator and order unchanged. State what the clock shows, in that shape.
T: 2:39:07
